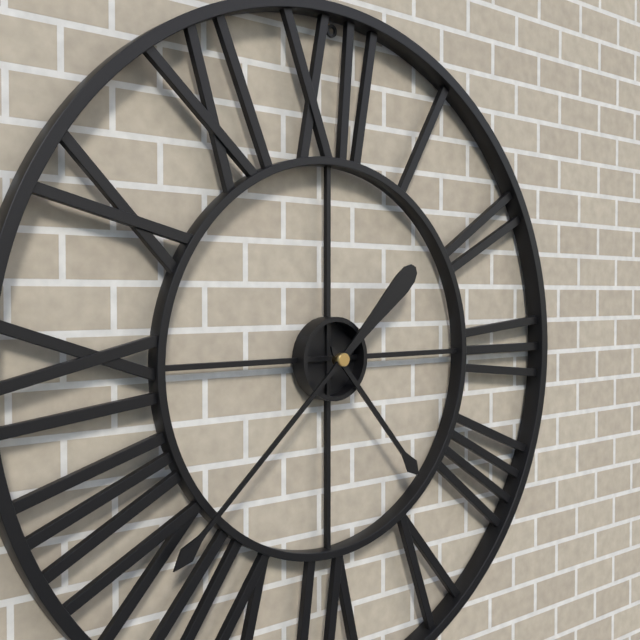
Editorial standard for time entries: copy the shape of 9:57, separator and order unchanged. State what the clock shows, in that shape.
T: 4:38
